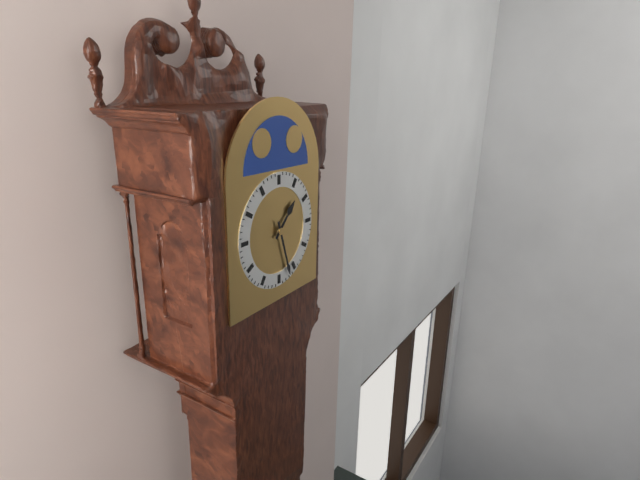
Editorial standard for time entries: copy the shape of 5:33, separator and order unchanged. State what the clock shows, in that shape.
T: 1:27
